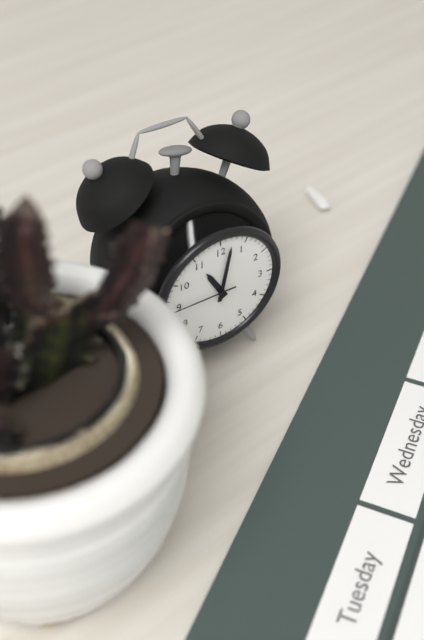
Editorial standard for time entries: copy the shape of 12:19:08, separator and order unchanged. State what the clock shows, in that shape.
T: 11:02:45
